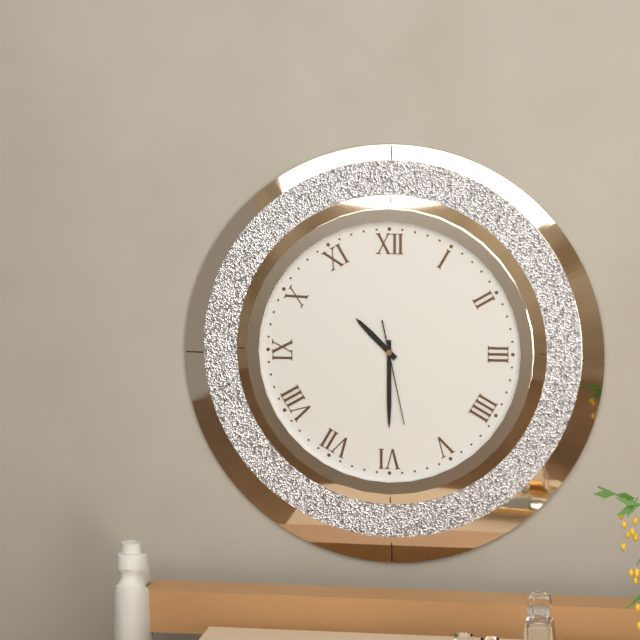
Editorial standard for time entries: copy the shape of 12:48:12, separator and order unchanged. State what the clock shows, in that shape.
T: 10:30:28
